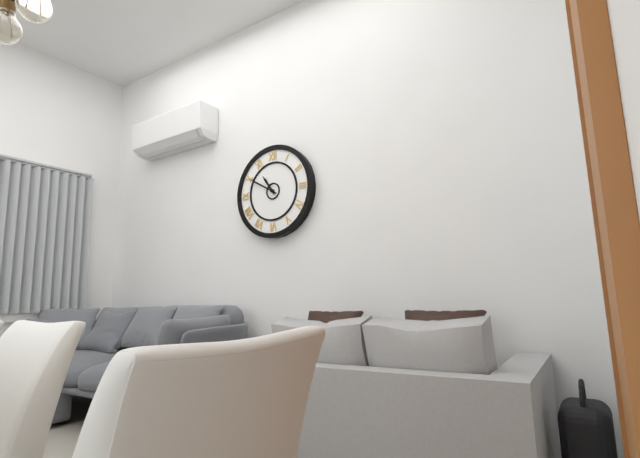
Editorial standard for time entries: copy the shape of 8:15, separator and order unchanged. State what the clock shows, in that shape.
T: 10:50
